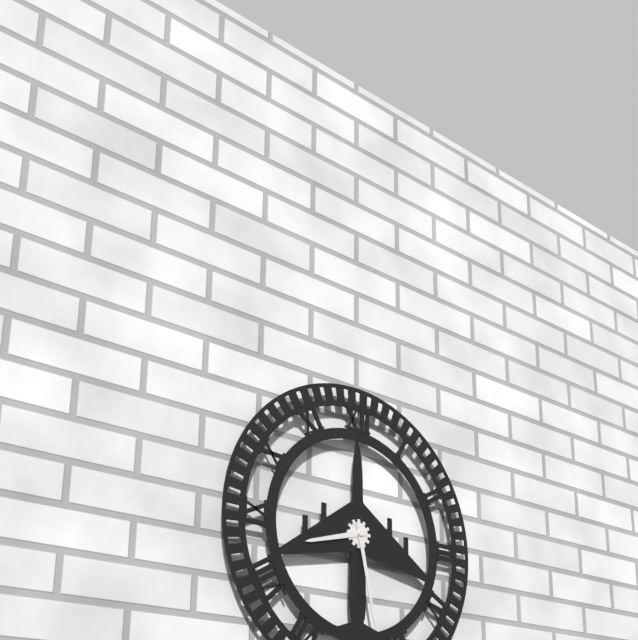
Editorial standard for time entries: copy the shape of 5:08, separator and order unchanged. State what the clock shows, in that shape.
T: 8:28
